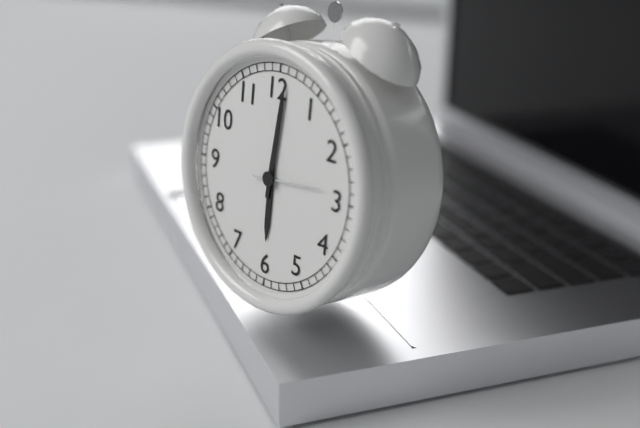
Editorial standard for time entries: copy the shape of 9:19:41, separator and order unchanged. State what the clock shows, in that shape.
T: 6:01:14
